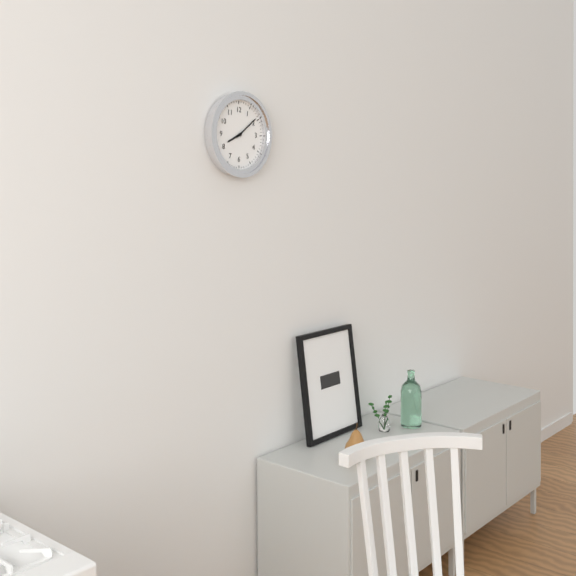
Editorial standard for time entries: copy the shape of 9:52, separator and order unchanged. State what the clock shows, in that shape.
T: 8:09
